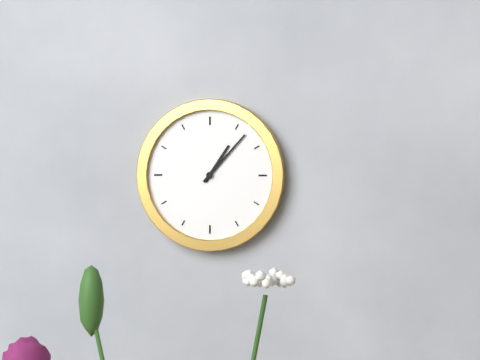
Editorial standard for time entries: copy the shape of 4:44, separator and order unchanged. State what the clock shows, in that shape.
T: 1:07
